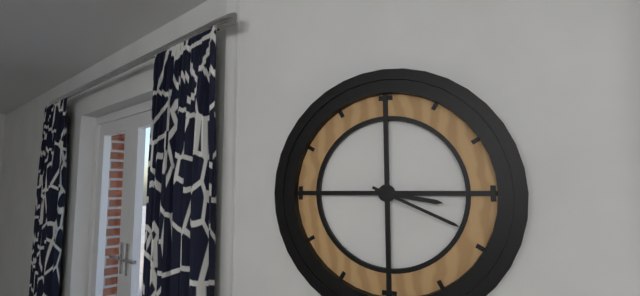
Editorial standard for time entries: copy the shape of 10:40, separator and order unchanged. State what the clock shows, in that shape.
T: 3:19
